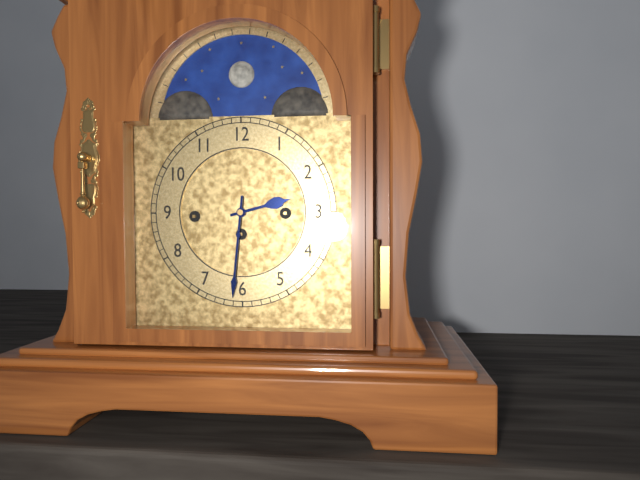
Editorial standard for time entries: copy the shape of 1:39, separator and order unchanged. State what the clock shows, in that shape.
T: 2:31
